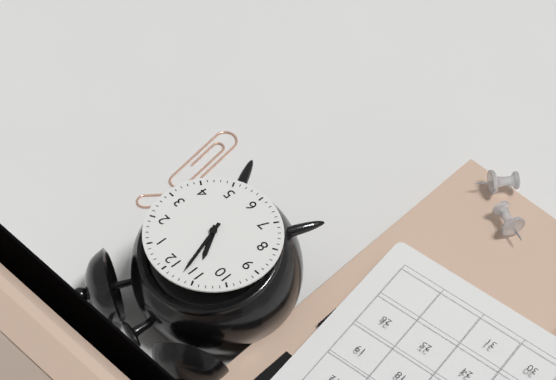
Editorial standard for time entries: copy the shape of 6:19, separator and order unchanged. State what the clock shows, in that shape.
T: 10:57
